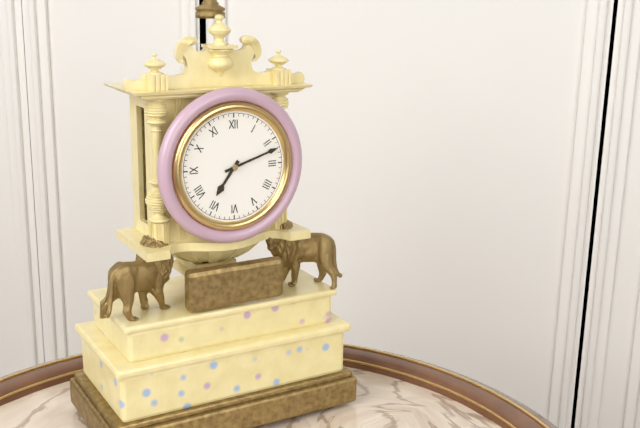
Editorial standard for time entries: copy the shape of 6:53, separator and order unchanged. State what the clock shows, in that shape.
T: 7:12
